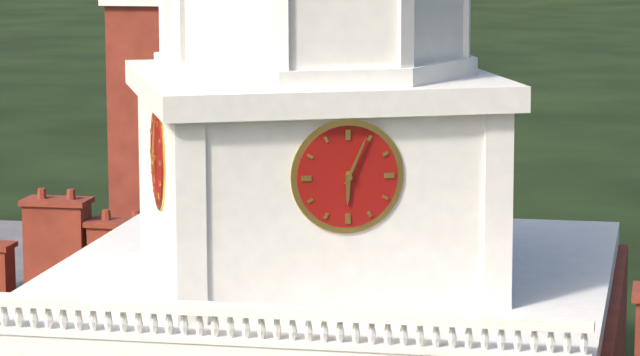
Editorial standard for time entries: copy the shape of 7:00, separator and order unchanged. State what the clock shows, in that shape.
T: 6:04
